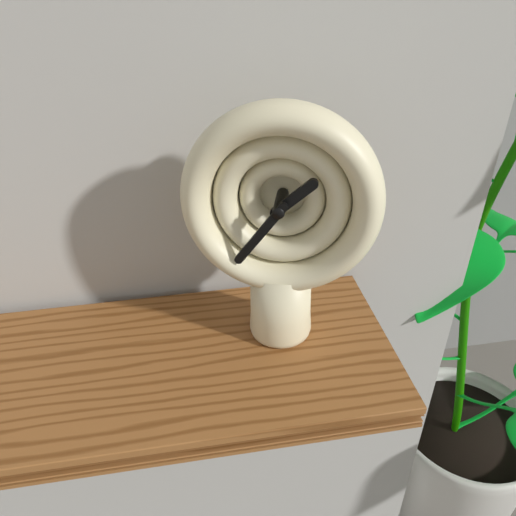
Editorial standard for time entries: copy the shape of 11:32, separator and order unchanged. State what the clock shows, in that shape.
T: 1:36
